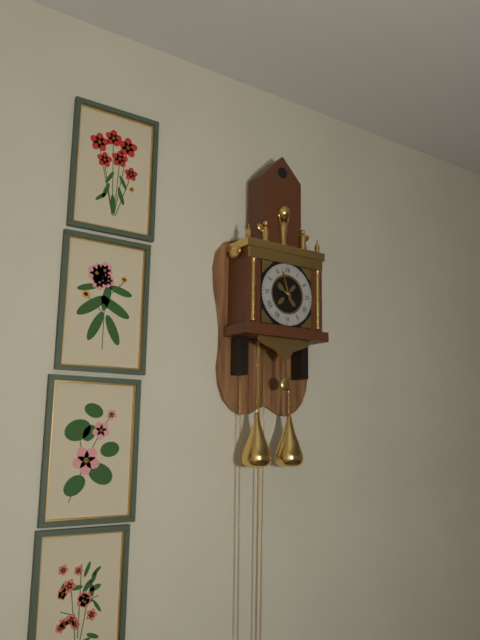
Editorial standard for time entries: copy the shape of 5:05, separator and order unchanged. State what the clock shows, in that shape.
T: 9:57
